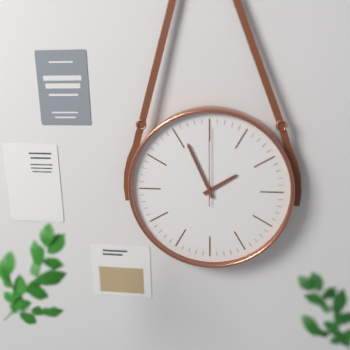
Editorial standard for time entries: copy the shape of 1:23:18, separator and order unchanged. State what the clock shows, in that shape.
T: 1:56:00
